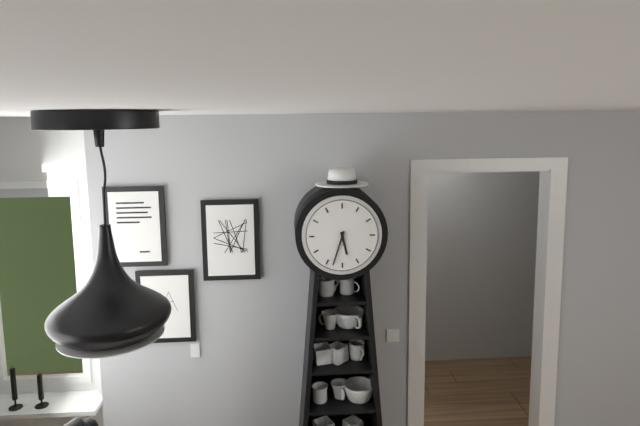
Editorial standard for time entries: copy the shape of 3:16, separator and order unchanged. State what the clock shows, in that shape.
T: 5:33
